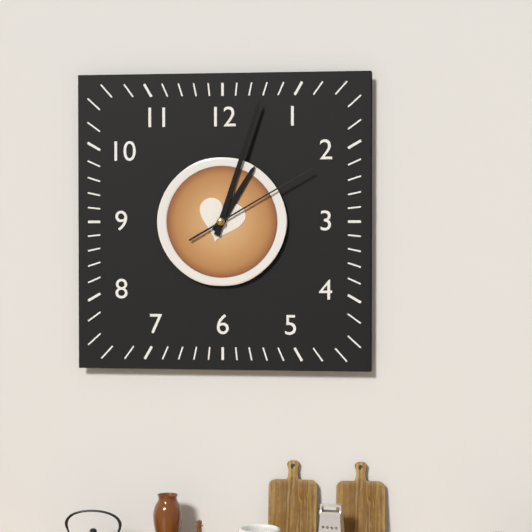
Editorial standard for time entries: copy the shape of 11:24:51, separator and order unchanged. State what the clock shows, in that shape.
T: 1:03:10
